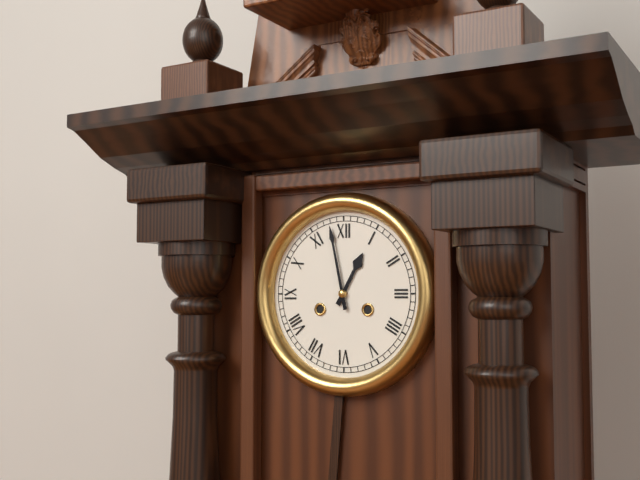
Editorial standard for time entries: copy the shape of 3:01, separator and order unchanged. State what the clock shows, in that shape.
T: 12:58
